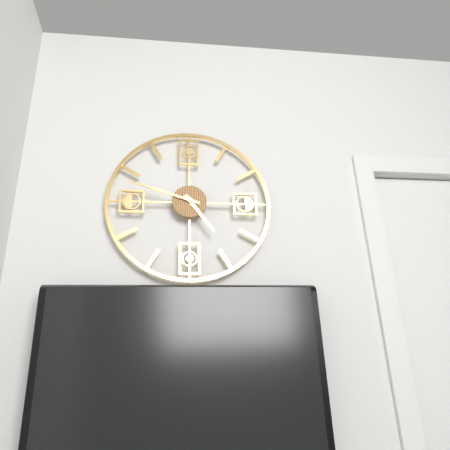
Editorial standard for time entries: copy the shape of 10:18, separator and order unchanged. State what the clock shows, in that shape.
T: 4:48
